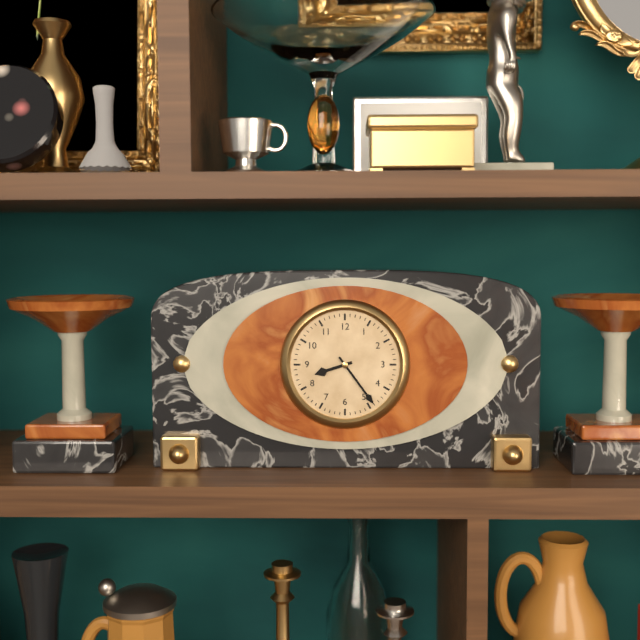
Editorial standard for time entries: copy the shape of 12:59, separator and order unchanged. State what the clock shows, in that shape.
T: 8:24
